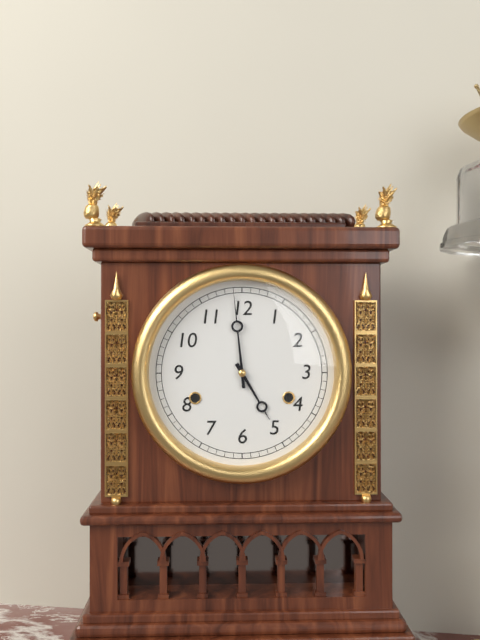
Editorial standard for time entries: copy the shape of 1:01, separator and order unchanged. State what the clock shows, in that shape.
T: 4:59
